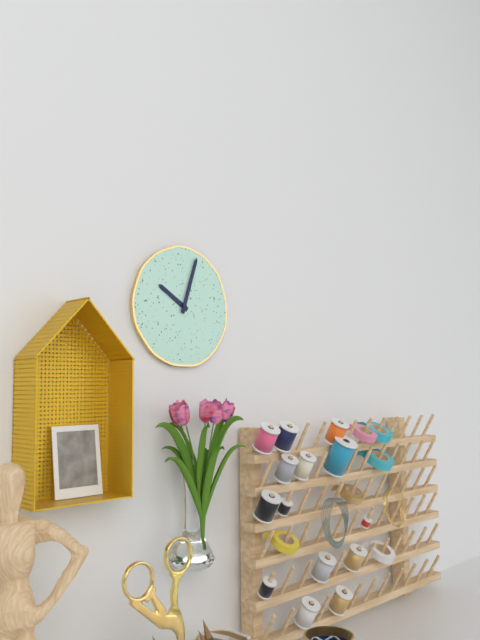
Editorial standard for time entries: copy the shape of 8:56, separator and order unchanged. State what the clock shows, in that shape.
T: 10:03
